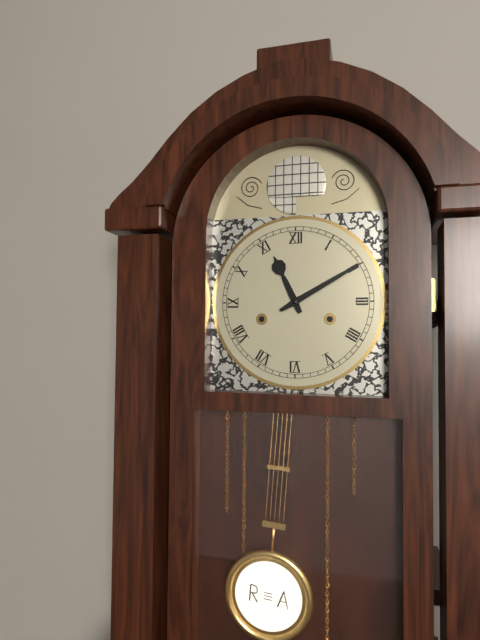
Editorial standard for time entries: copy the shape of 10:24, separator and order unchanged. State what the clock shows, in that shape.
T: 11:10
